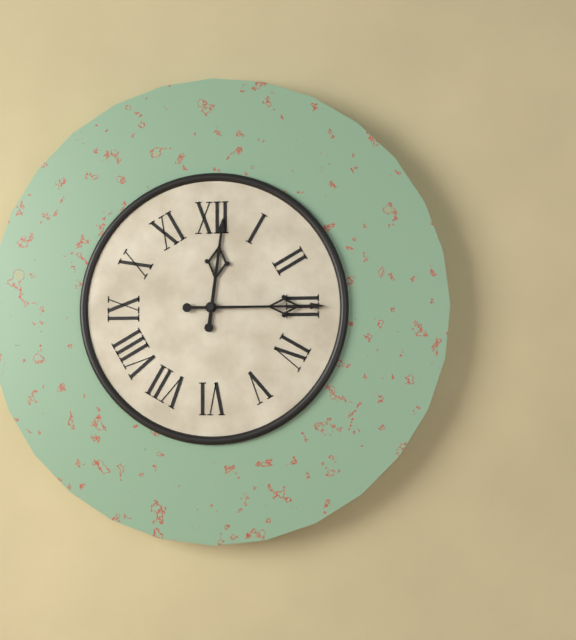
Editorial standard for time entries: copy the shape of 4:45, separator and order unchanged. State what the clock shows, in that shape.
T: 12:15
